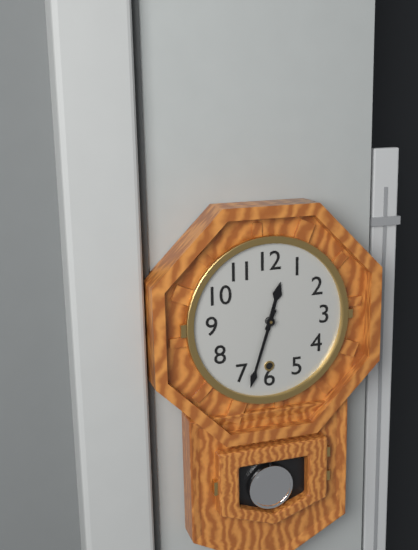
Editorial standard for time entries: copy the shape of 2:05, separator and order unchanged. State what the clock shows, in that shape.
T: 12:33
